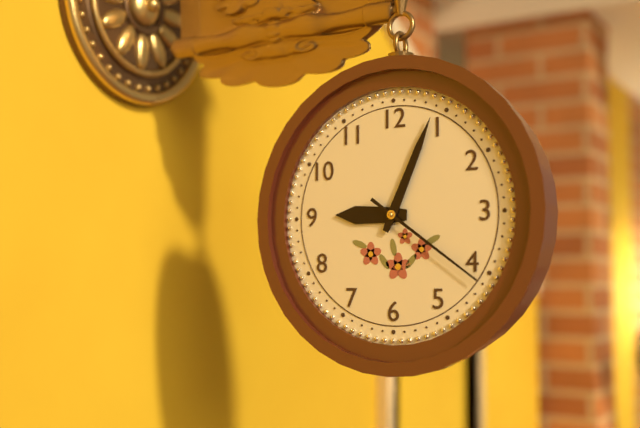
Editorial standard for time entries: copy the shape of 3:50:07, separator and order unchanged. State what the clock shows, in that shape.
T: 9:04:21
